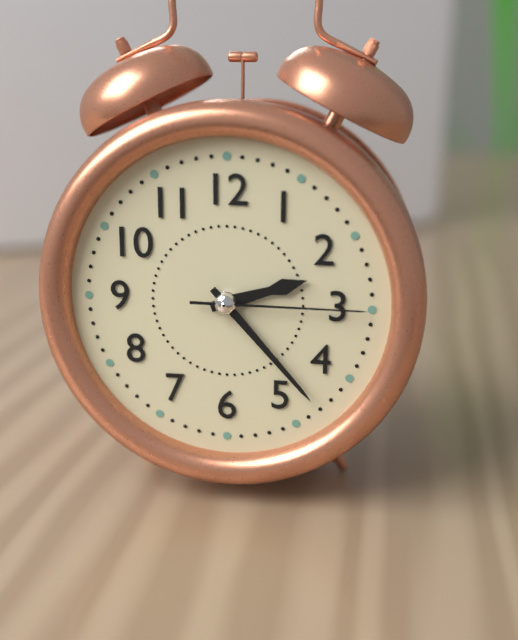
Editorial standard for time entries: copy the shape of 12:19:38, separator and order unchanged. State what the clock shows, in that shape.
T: 2:23:15
